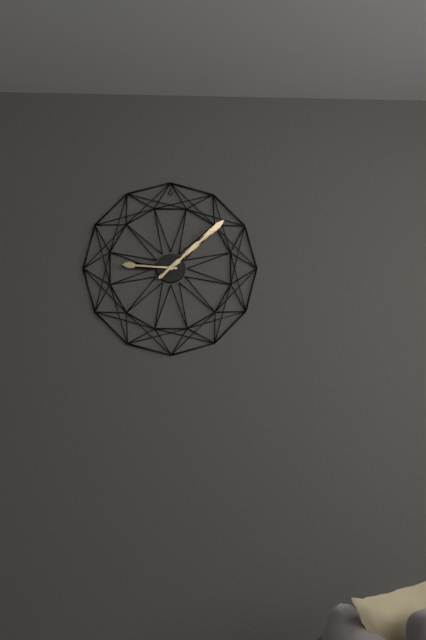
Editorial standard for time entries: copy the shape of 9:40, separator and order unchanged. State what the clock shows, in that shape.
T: 9:08
